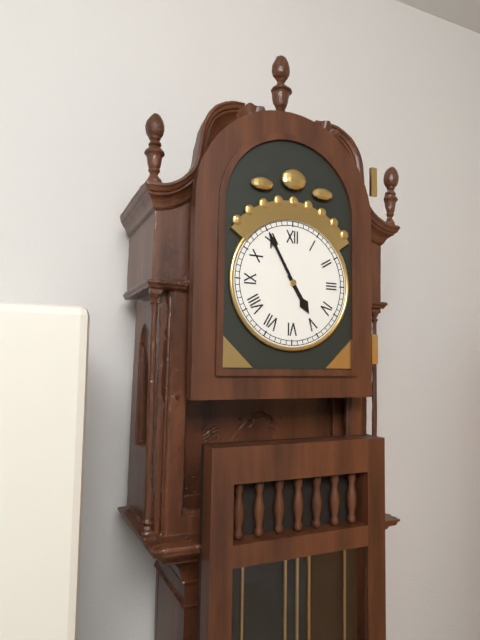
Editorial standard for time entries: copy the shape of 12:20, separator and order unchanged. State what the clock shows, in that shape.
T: 4:55
